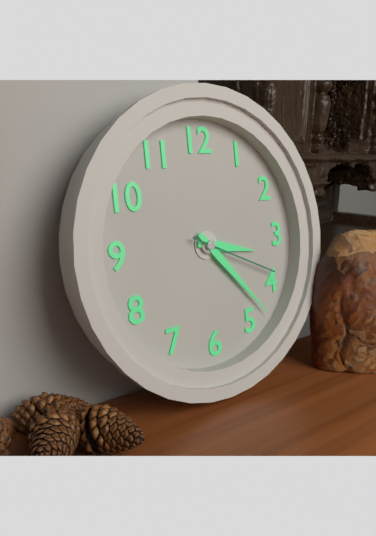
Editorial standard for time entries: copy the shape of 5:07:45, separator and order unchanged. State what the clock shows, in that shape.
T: 3:23:19
